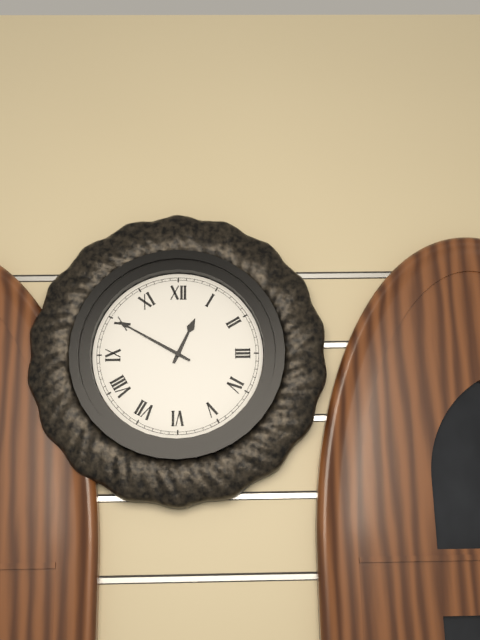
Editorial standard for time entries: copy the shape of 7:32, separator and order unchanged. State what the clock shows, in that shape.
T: 12:50
